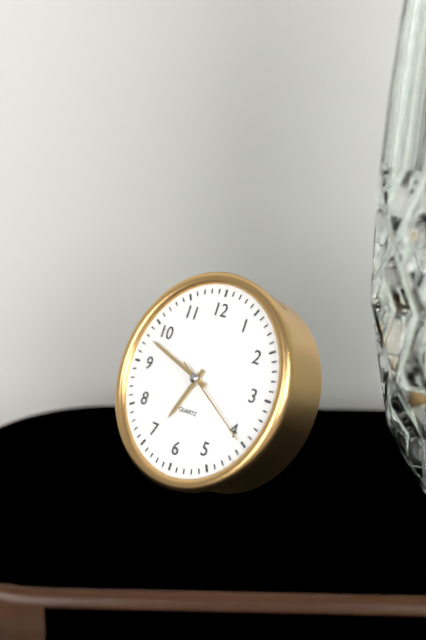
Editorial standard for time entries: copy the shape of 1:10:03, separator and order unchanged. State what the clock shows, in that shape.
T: 6:48:20
